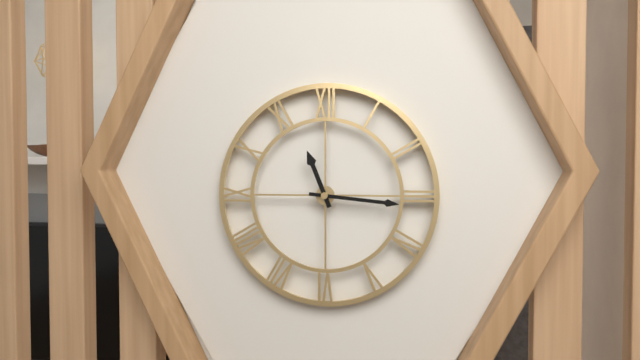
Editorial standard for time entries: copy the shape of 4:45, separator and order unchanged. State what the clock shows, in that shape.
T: 11:16
